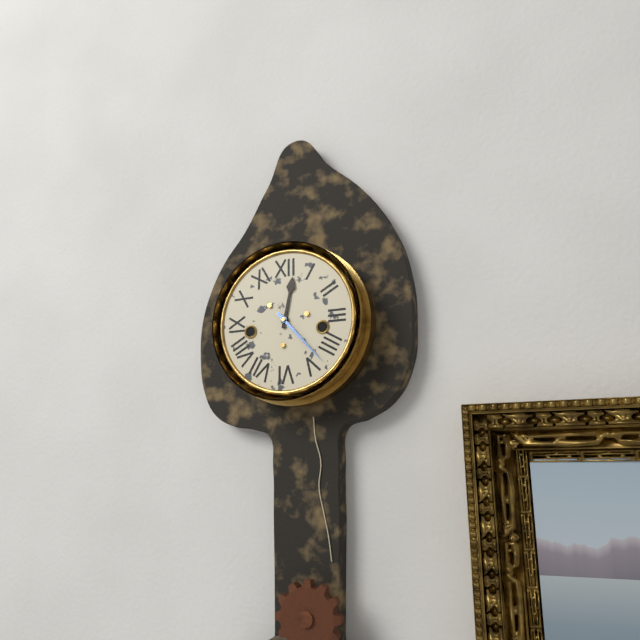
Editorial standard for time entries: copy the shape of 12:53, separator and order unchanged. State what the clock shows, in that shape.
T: 12:23
